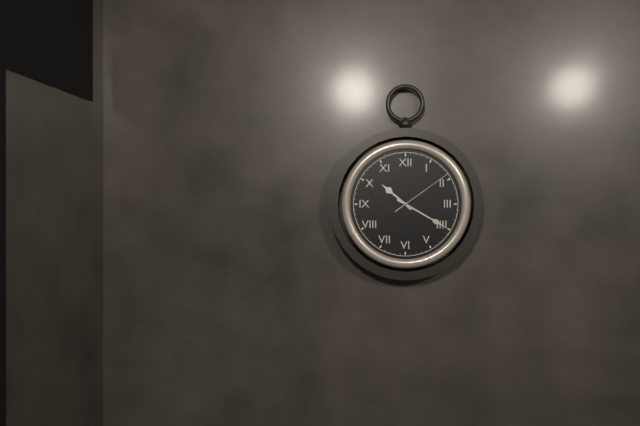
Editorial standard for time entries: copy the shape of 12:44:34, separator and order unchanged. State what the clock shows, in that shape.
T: 10:20:09
